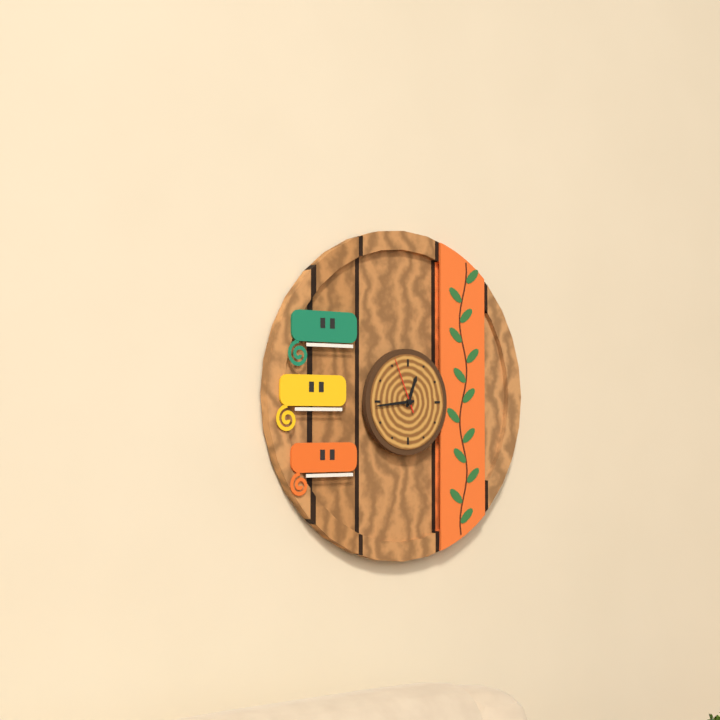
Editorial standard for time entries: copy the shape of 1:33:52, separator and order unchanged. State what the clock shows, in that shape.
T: 12:44:56
